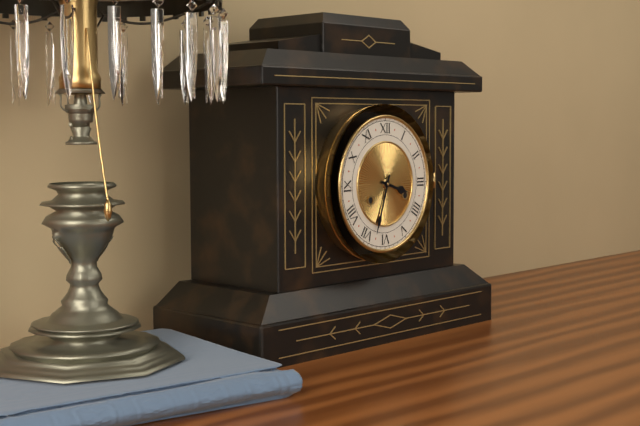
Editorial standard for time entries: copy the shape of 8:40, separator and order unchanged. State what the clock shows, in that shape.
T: 3:33
